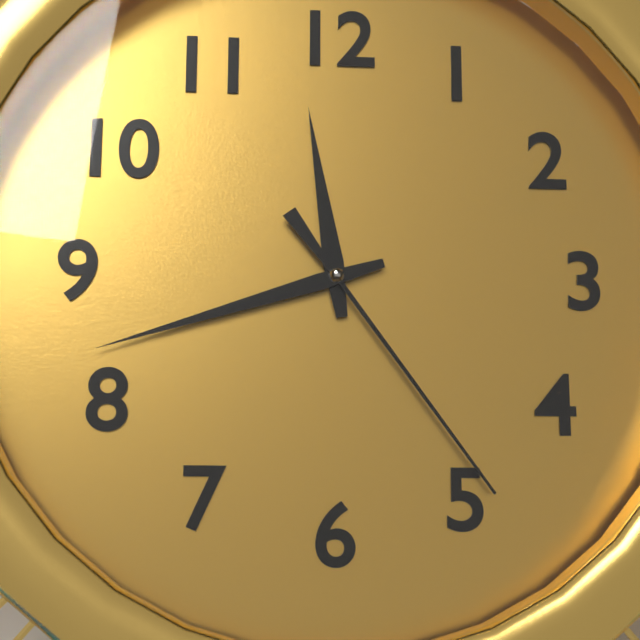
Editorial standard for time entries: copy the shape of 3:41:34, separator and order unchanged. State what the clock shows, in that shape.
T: 11:42:24
